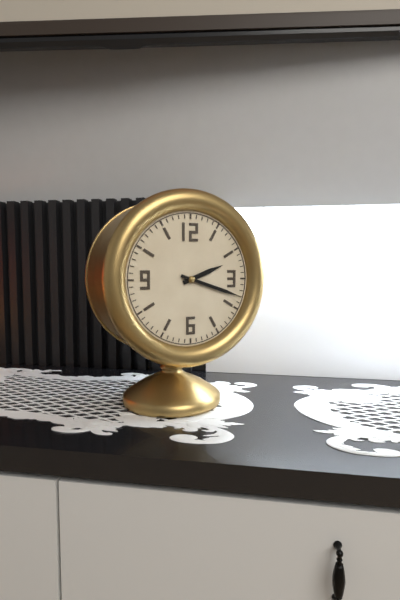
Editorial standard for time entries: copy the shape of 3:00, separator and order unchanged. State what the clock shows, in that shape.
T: 2:18
